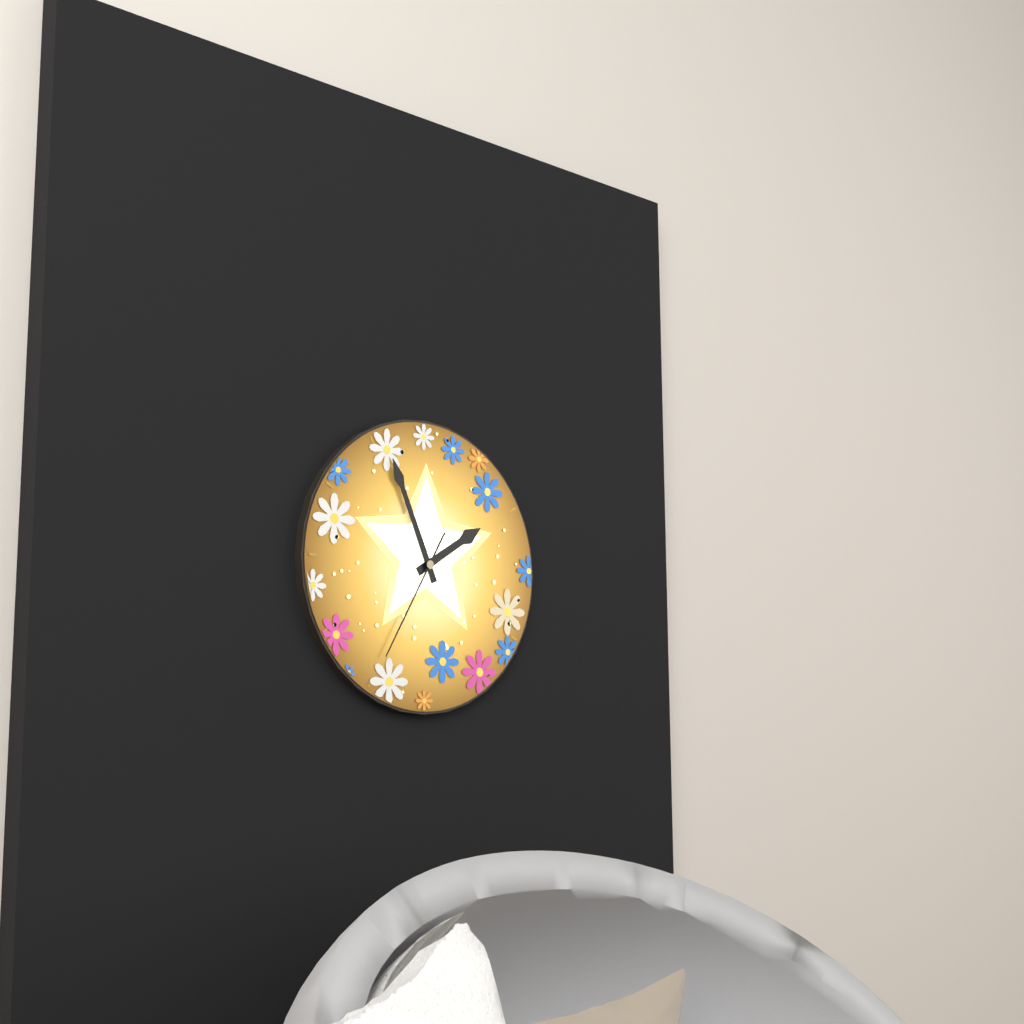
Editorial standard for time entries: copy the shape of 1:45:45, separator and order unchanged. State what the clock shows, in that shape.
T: 1:56:35
